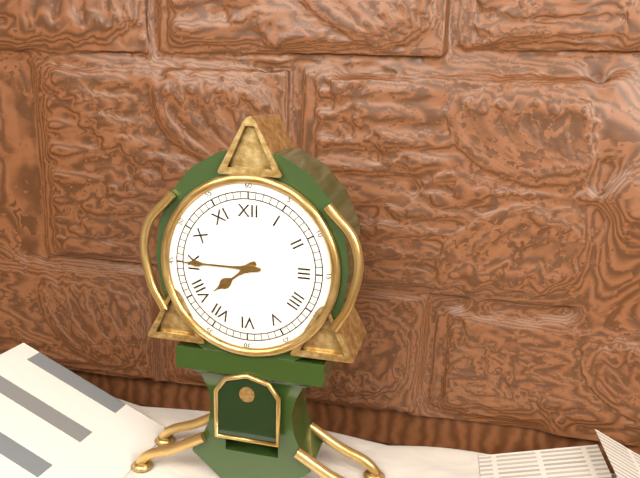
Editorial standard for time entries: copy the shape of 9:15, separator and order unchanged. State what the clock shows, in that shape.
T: 7:45
